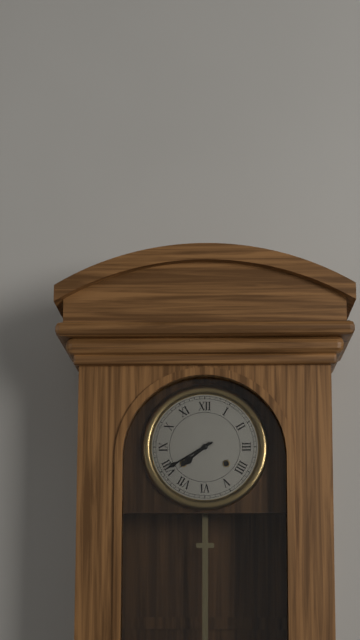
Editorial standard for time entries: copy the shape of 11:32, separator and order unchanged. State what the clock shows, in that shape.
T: 7:40
